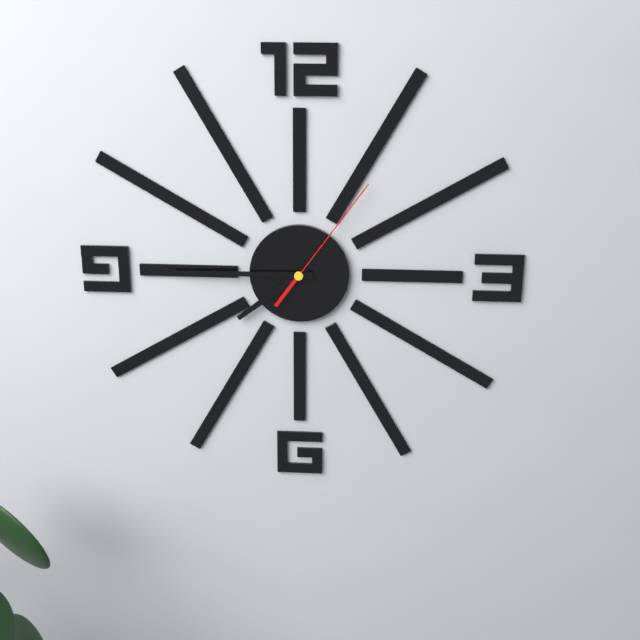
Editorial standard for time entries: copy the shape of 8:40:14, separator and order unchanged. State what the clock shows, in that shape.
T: 7:45:06
